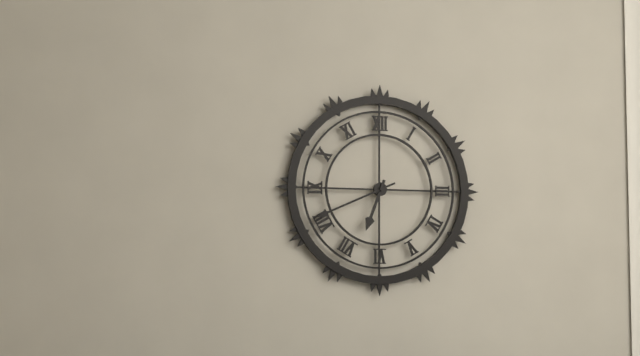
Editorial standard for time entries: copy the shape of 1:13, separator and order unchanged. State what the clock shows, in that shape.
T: 6:41
